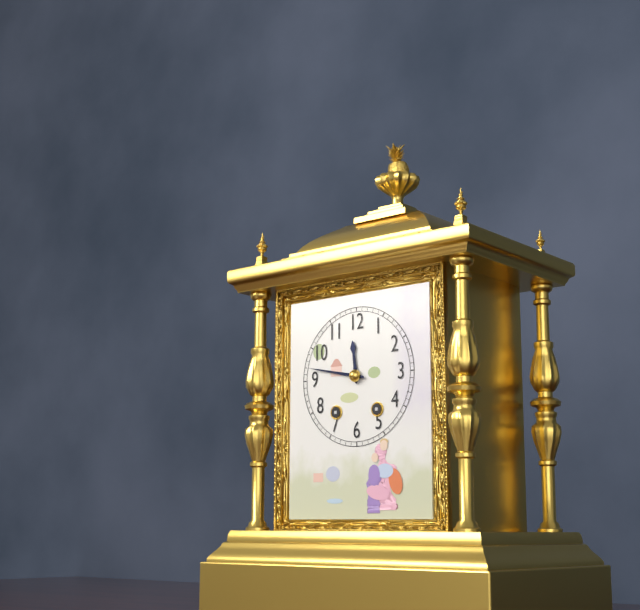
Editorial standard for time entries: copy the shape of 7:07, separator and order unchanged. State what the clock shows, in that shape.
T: 11:47
